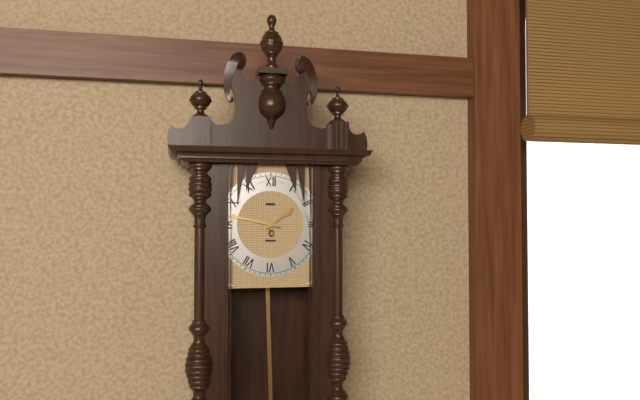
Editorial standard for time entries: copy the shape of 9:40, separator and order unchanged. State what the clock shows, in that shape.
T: 1:47
